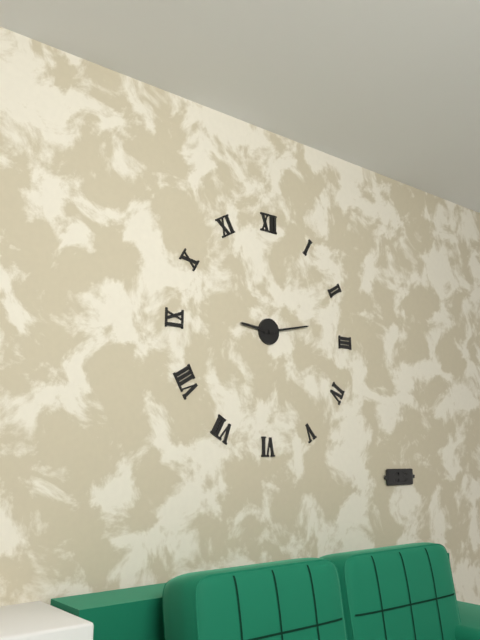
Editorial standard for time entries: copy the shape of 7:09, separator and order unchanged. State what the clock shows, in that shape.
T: 9:13
